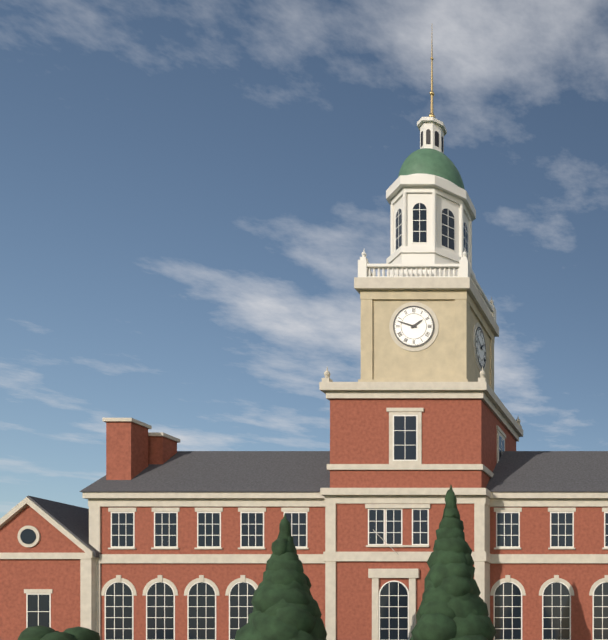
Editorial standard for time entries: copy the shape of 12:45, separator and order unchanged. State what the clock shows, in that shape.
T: 1:48
